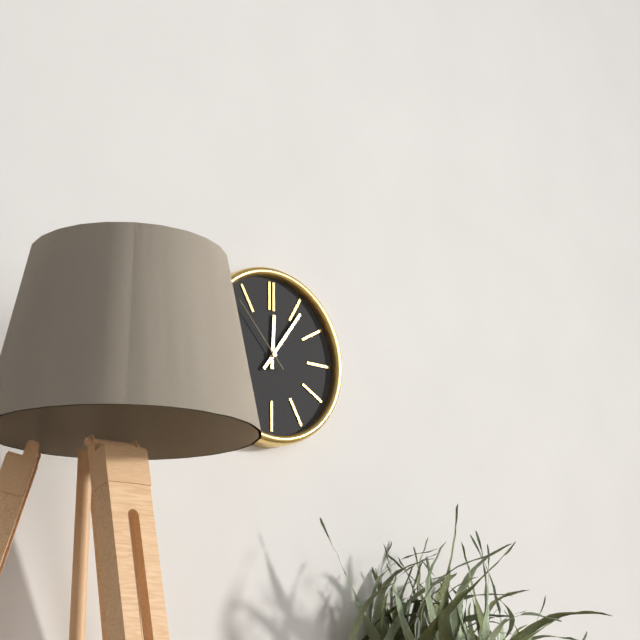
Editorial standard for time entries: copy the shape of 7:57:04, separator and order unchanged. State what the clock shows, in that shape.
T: 12:06:53
